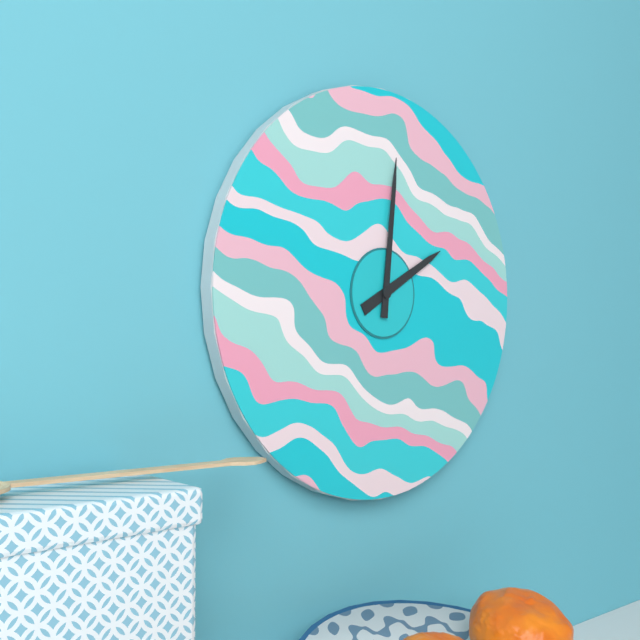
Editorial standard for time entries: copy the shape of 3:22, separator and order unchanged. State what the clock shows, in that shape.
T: 2:01
